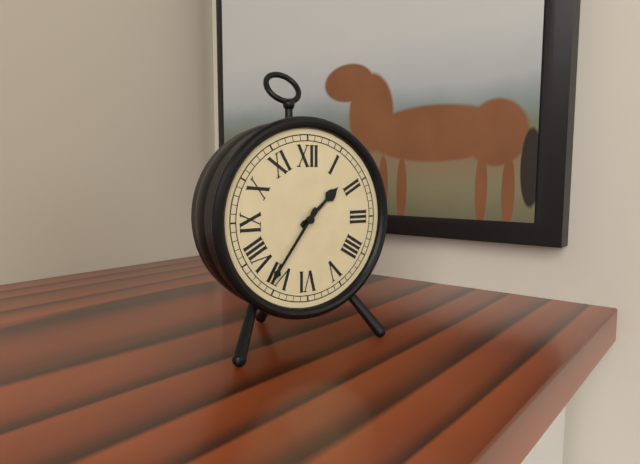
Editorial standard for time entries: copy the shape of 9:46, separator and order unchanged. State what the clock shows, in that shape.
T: 1:36
